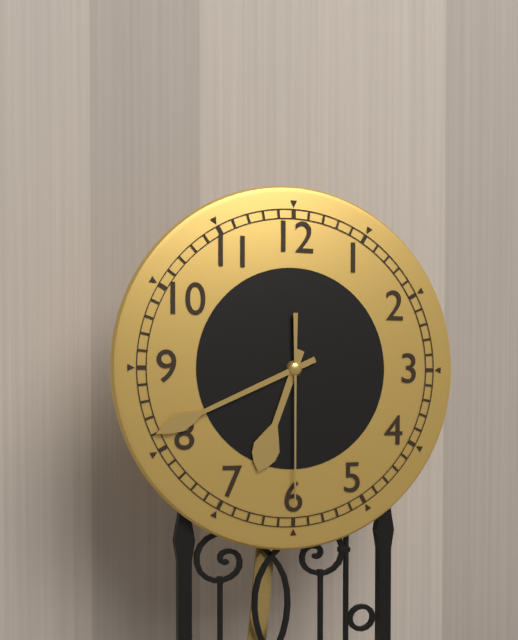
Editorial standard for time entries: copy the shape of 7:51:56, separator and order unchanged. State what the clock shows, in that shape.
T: 6:41:30
